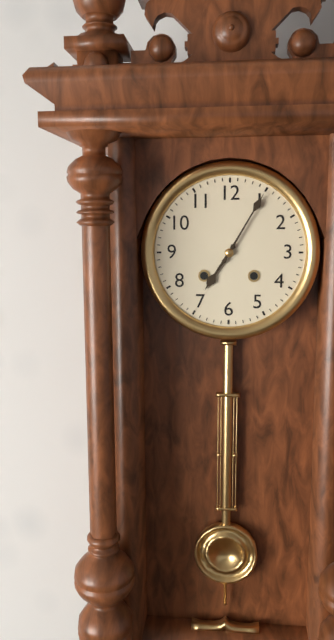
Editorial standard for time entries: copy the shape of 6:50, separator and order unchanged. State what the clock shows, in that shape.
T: 7:05
